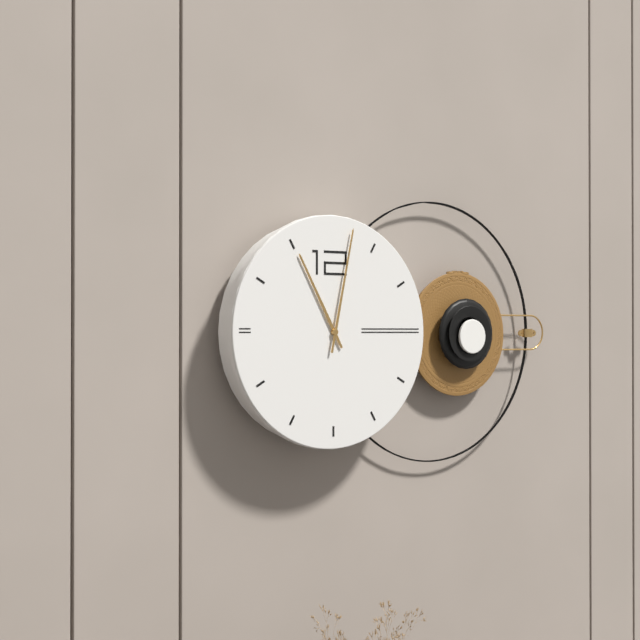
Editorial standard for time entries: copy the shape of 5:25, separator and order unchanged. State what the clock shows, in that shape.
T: 11:02
